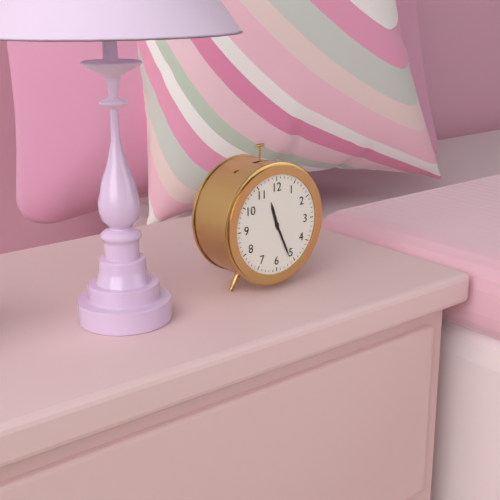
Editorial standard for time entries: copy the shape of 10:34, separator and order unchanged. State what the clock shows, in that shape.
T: 11:26
